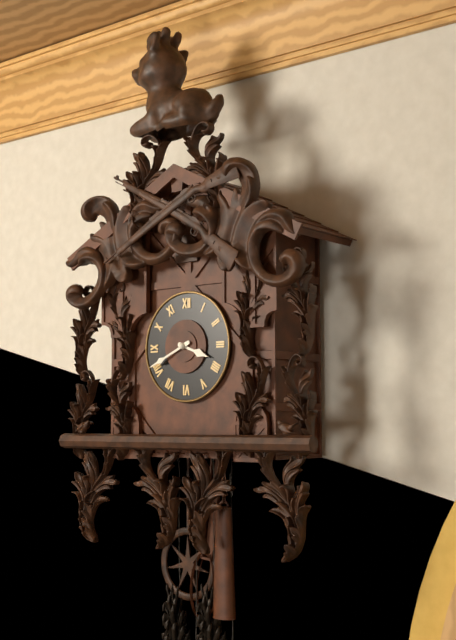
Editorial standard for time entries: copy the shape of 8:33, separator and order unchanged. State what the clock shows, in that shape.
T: 3:41
